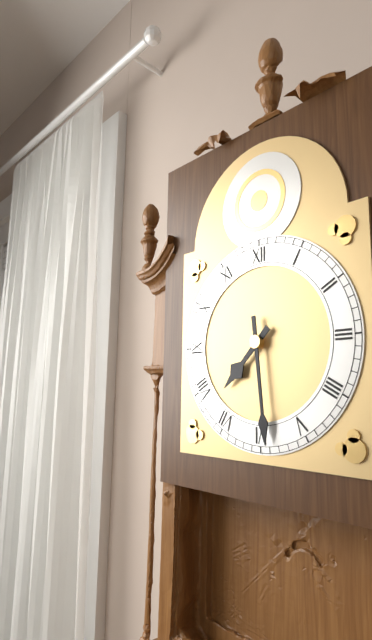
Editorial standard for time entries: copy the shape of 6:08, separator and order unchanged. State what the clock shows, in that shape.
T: 7:29
